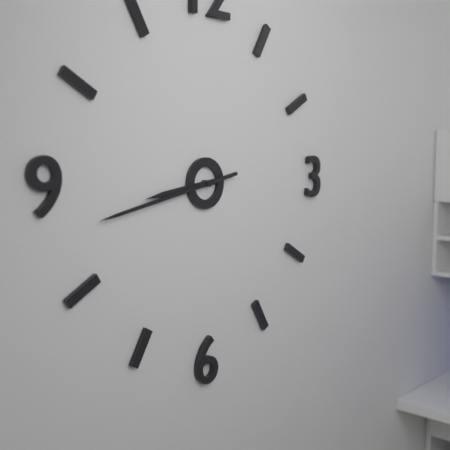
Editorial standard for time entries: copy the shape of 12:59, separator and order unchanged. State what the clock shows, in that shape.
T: 8:43
